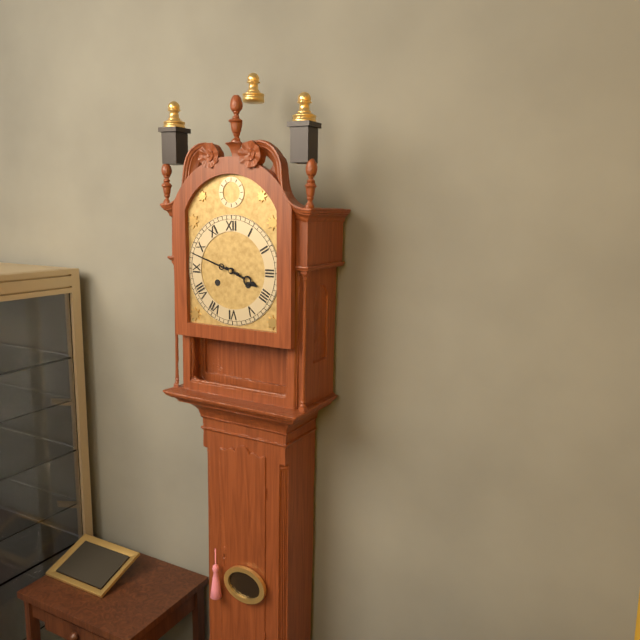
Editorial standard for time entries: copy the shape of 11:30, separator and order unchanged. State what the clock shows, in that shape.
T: 3:48
